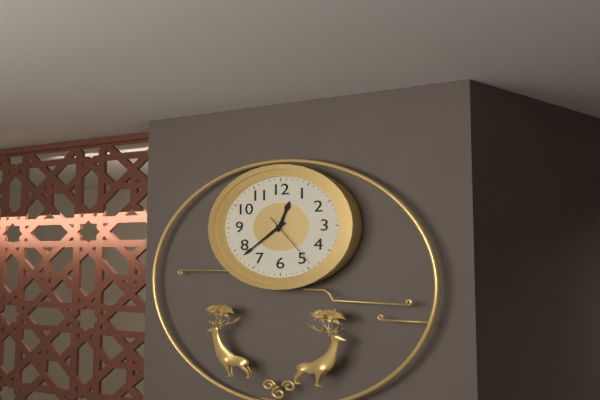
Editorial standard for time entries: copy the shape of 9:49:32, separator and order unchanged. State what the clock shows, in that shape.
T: 12:38:24
